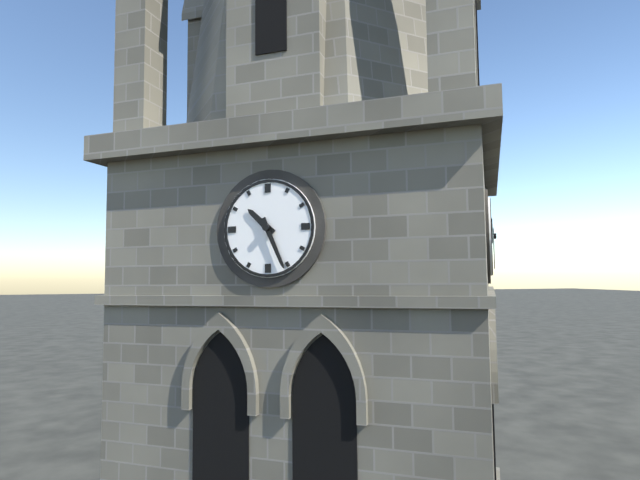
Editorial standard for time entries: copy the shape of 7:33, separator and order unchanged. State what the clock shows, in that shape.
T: 10:26
